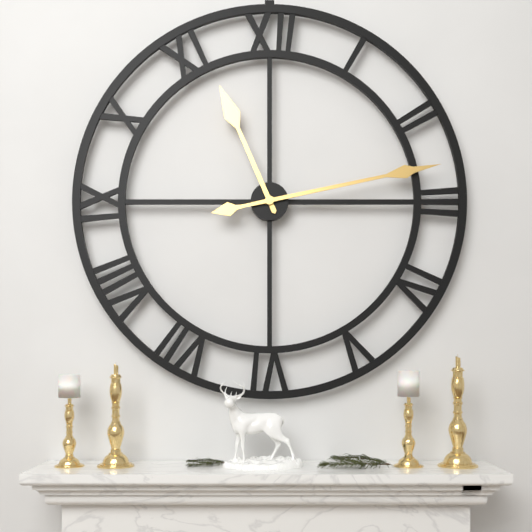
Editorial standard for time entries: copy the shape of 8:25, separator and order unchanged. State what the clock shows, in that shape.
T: 11:13
